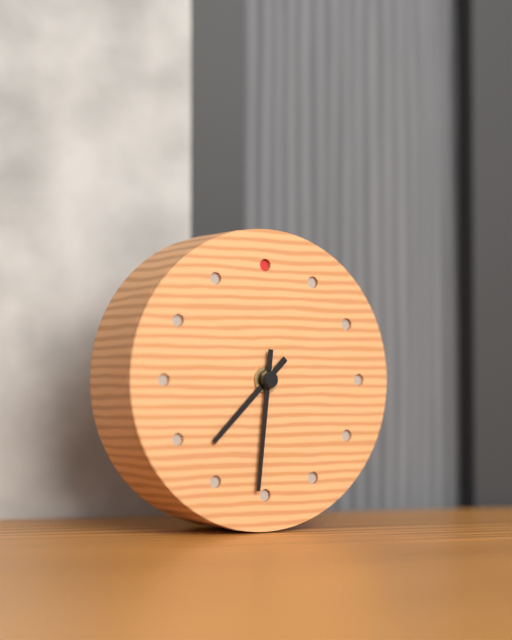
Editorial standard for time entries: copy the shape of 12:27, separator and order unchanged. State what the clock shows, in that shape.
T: 7:31
